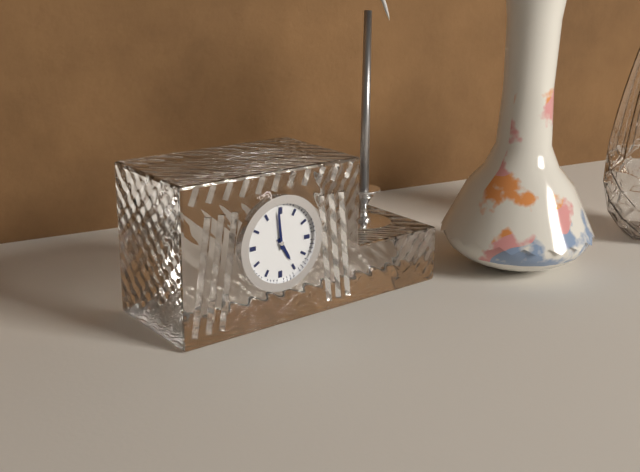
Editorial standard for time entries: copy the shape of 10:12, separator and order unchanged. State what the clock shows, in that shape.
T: 4:59
